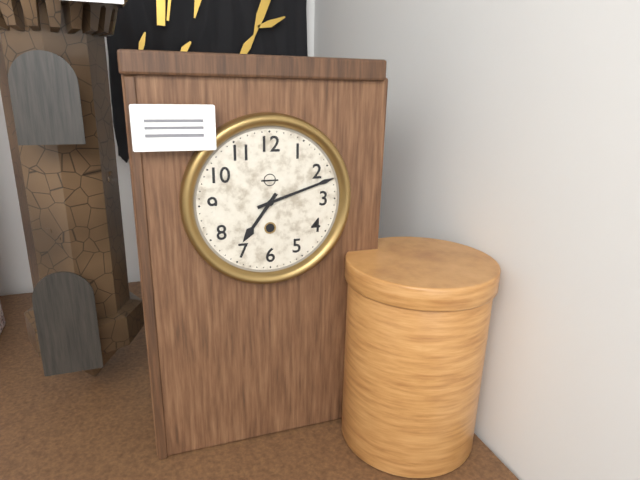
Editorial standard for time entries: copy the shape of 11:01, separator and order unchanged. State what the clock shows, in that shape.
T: 7:12
